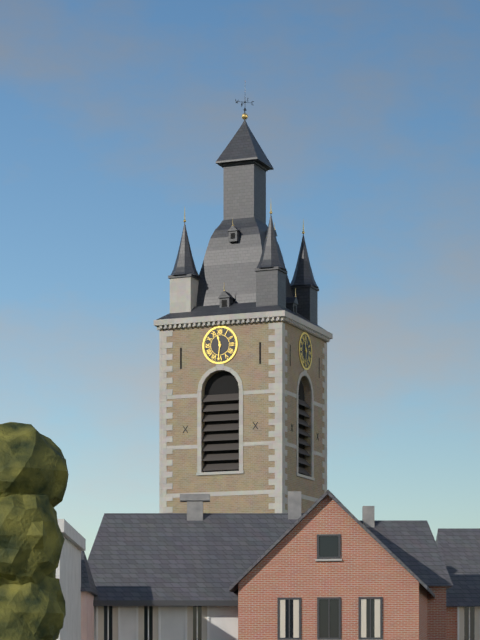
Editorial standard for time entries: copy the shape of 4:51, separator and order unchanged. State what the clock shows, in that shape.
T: 11:31
